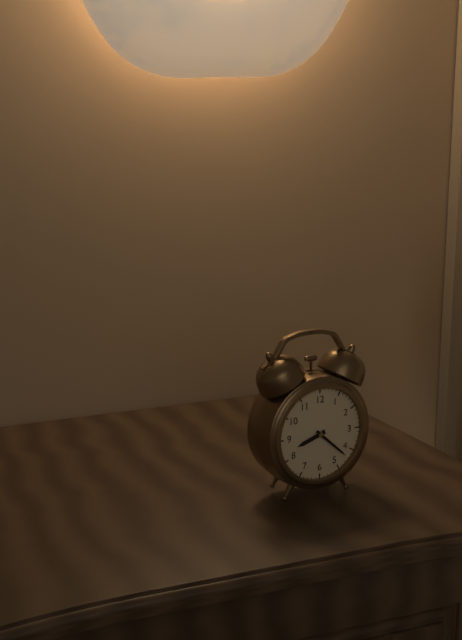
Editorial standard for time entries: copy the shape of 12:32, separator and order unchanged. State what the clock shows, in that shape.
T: 8:22
